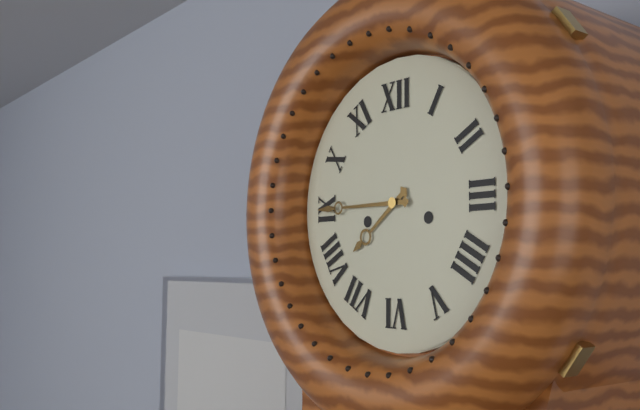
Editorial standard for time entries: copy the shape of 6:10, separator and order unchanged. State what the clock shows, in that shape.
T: 7:45
